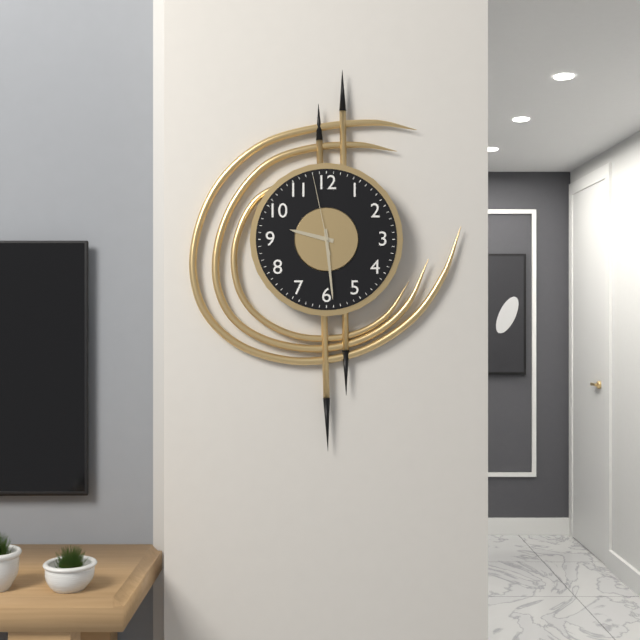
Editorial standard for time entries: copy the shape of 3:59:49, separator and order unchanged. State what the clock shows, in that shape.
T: 9:29:58
